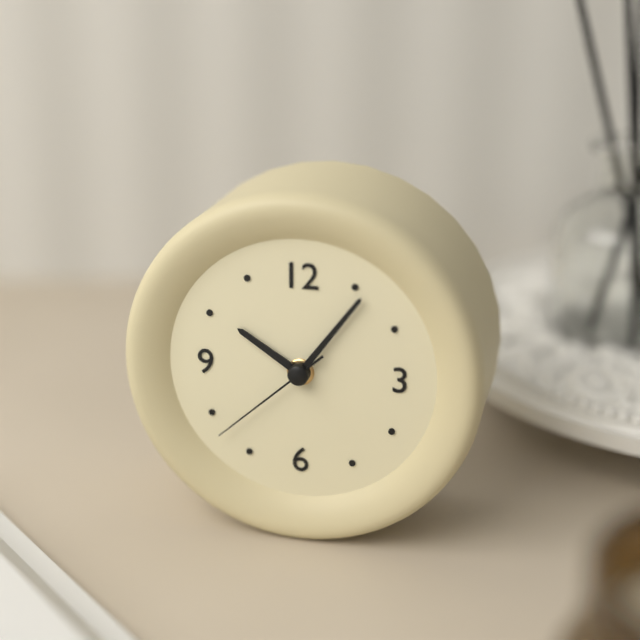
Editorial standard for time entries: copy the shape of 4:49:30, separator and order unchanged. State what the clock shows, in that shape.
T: 10:06:38
